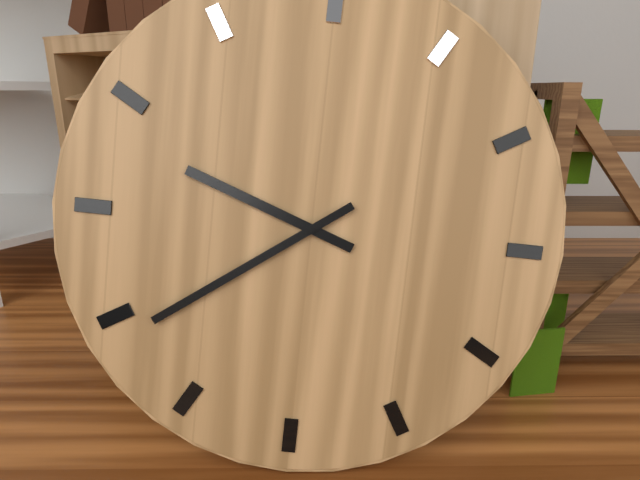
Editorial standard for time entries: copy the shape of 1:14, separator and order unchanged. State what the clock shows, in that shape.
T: 9:39
